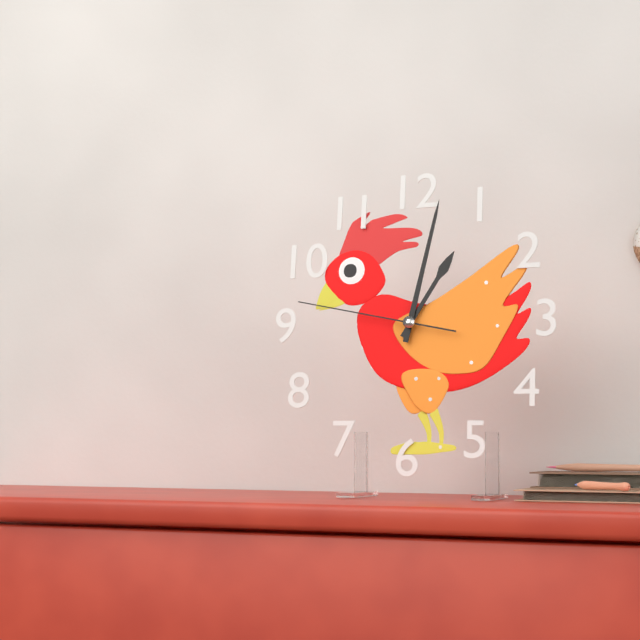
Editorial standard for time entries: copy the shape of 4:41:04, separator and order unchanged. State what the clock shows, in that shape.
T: 1:02:47
